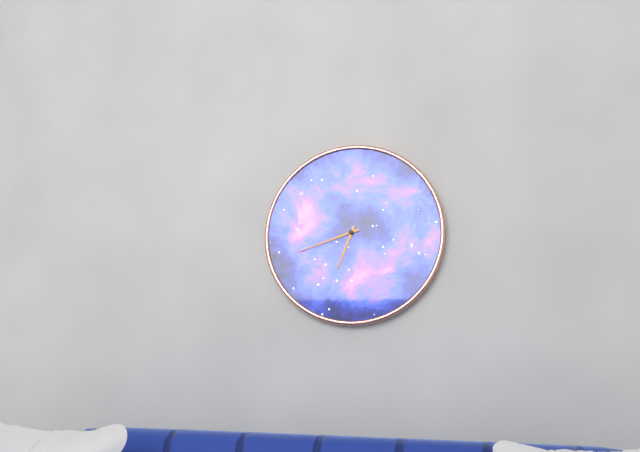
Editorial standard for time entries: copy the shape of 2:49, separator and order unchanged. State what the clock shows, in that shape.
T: 6:42
